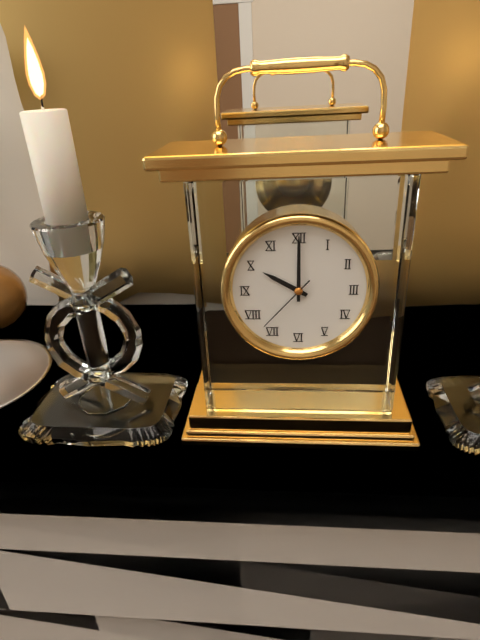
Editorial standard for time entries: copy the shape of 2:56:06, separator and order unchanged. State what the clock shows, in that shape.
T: 10:00:37
